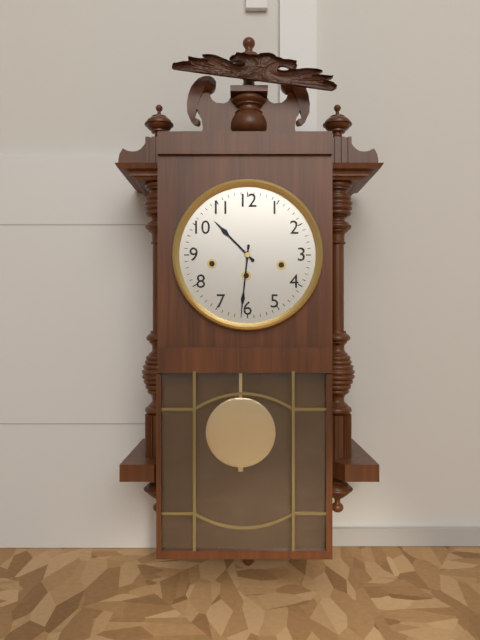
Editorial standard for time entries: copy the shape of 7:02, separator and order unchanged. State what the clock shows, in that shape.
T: 10:31
